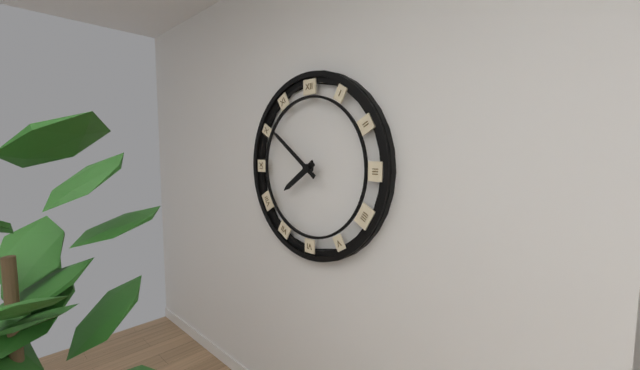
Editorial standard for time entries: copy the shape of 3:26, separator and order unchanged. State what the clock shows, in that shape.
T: 7:51
